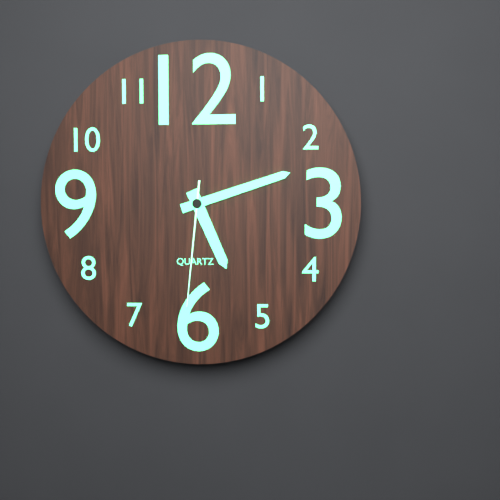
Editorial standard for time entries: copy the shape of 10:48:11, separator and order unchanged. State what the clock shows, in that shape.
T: 5:12:31
